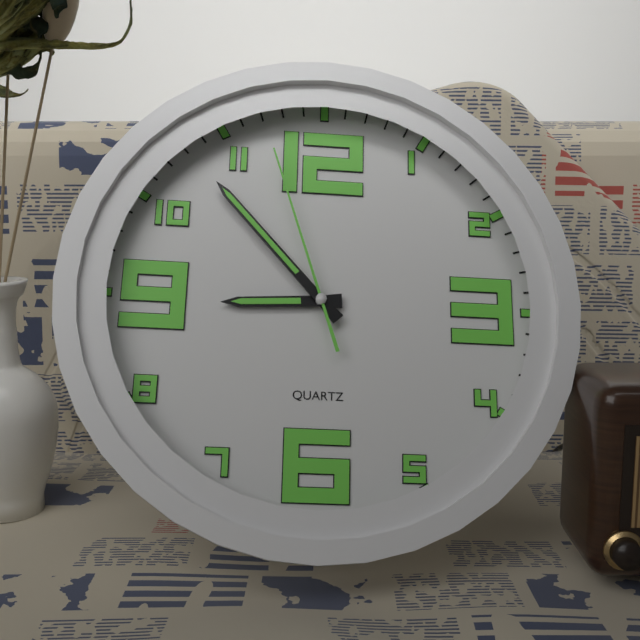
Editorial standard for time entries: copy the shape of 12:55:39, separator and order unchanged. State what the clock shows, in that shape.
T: 8:53:57
